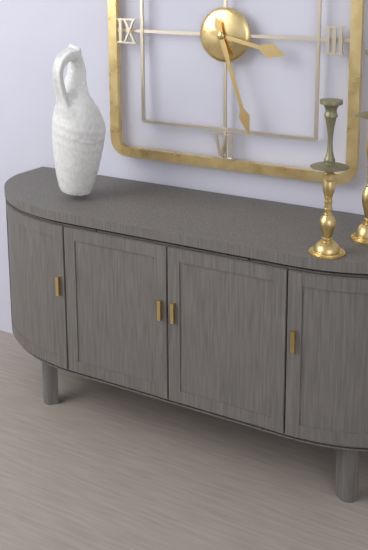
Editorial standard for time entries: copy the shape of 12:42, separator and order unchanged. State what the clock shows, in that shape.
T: 3:27
